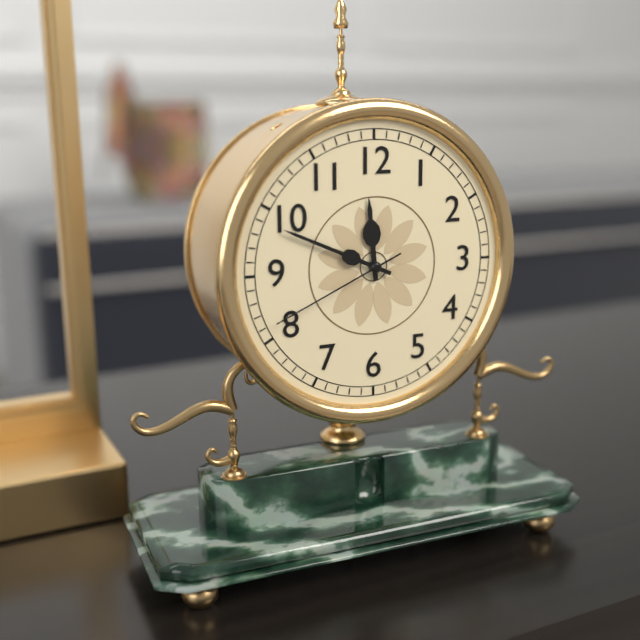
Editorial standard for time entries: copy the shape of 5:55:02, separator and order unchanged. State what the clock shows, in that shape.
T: 11:49:41
